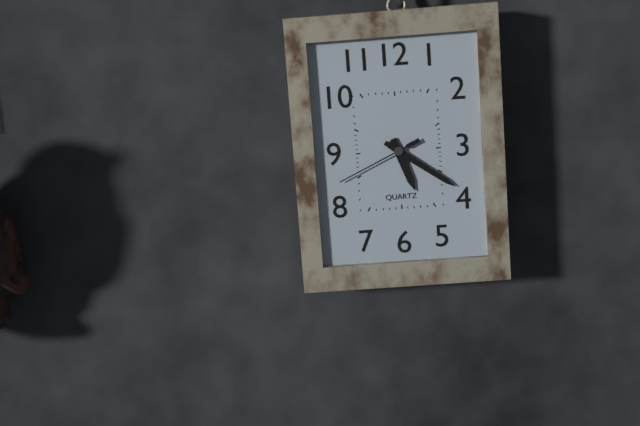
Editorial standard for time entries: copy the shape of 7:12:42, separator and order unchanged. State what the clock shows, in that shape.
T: 5:21:41
